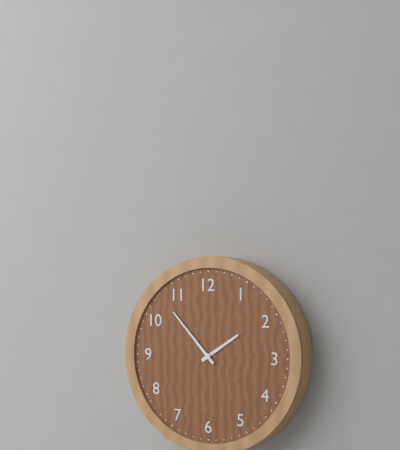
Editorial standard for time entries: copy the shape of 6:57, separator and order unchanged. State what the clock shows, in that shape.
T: 1:53
